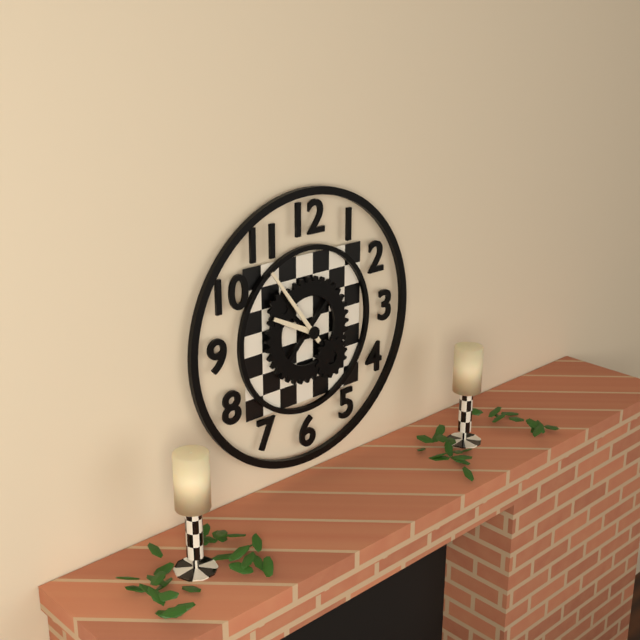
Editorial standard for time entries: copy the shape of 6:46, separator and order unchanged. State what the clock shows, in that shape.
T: 9:54
